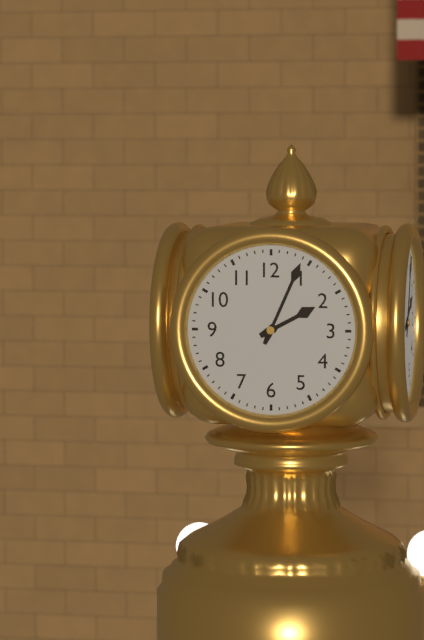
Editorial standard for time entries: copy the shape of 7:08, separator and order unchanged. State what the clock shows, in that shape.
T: 2:04
